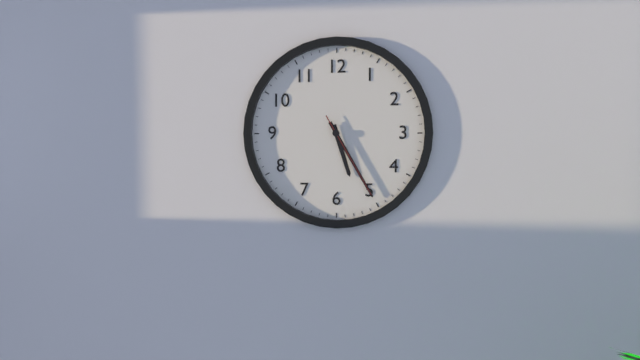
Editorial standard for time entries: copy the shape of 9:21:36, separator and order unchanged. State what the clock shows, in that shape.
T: 5:25:25
